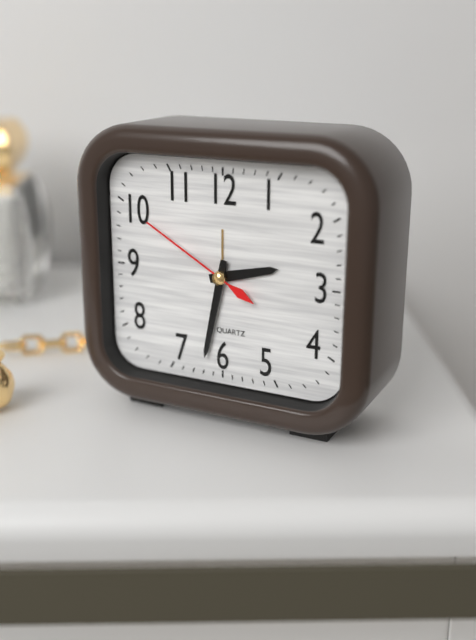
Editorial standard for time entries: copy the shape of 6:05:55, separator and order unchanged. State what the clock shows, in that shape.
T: 2:32:50
